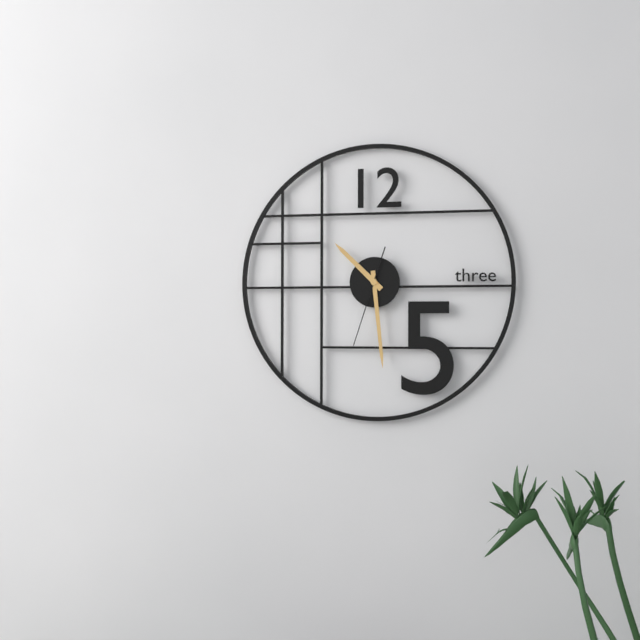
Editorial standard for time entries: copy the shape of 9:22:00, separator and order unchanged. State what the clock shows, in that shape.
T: 10:29:33
